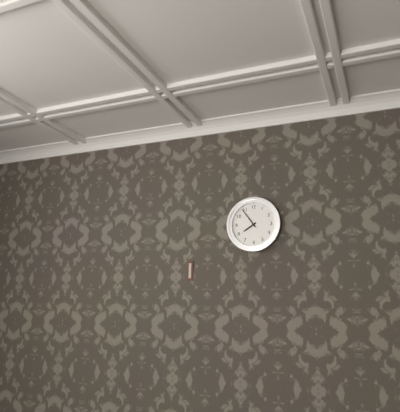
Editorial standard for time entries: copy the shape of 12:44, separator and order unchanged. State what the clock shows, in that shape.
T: 7:54
